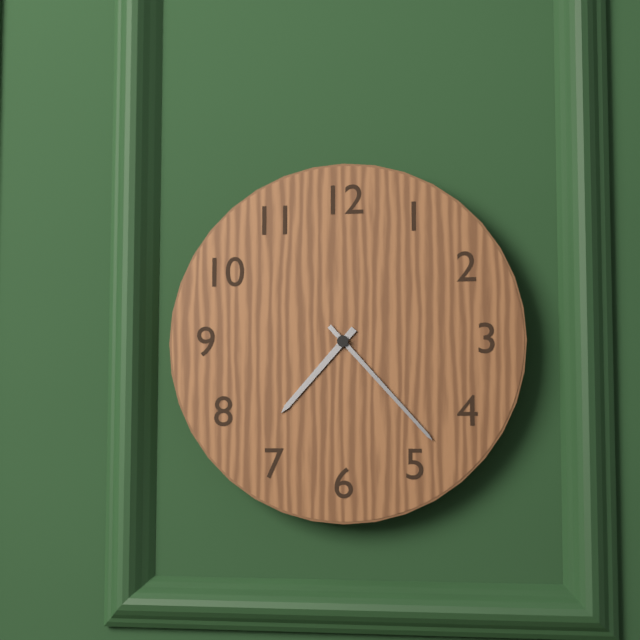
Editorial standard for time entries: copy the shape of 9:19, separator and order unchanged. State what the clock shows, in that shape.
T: 7:23
